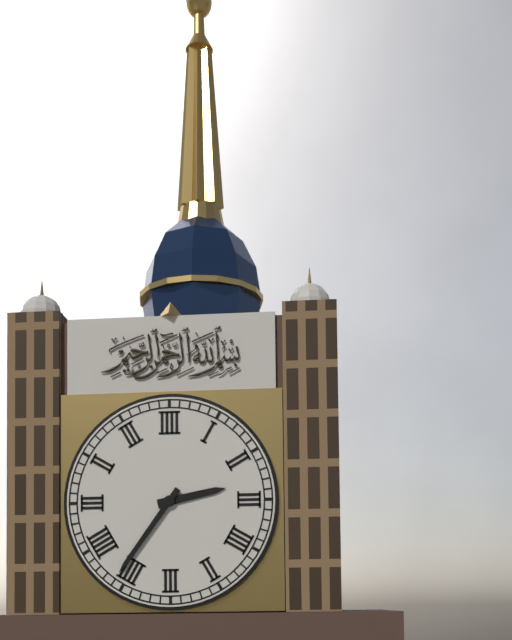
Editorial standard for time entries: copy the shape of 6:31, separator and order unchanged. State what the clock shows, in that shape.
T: 2:36
